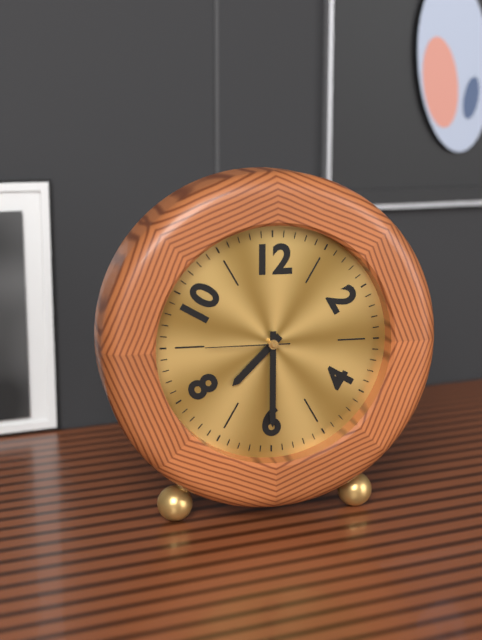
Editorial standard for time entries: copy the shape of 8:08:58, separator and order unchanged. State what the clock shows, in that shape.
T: 7:30:45
